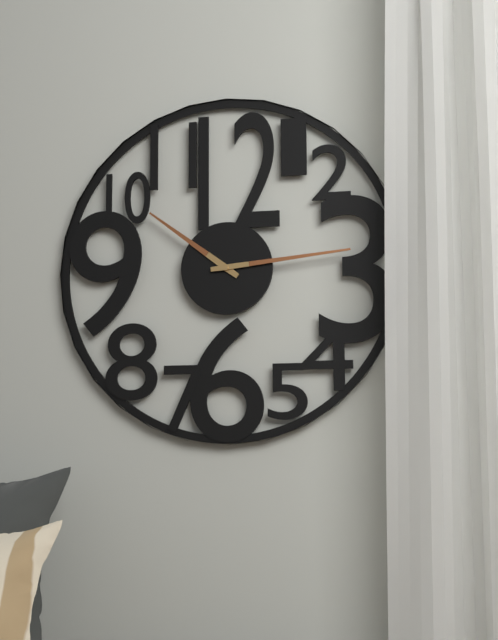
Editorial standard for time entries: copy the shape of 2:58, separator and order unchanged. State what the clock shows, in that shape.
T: 10:14
